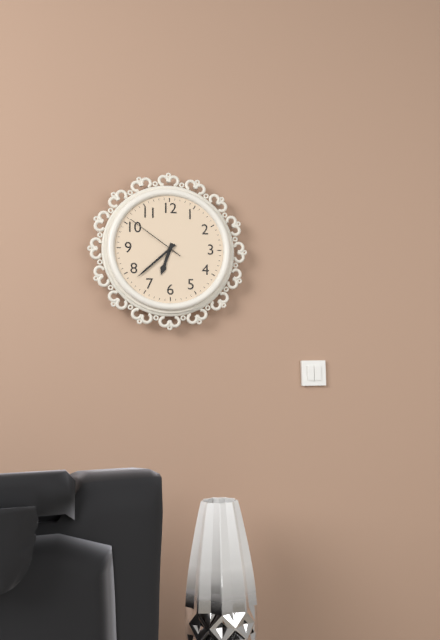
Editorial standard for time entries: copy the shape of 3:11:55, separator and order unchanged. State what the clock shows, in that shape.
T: 6:38:51
